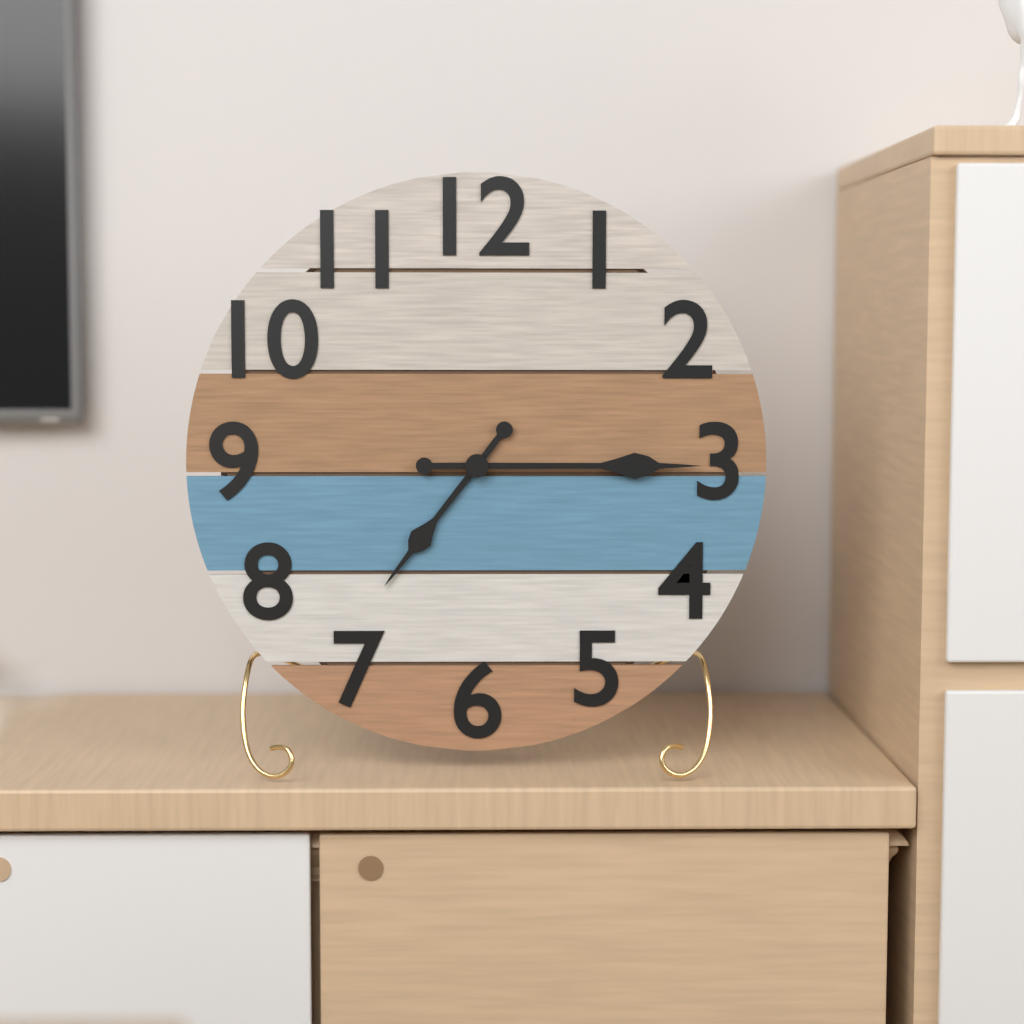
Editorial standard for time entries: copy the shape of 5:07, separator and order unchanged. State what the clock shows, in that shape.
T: 7:15
